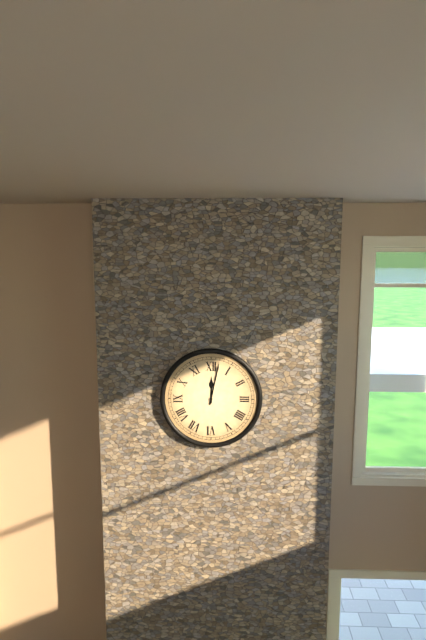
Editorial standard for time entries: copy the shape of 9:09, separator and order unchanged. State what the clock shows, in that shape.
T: 12:02
